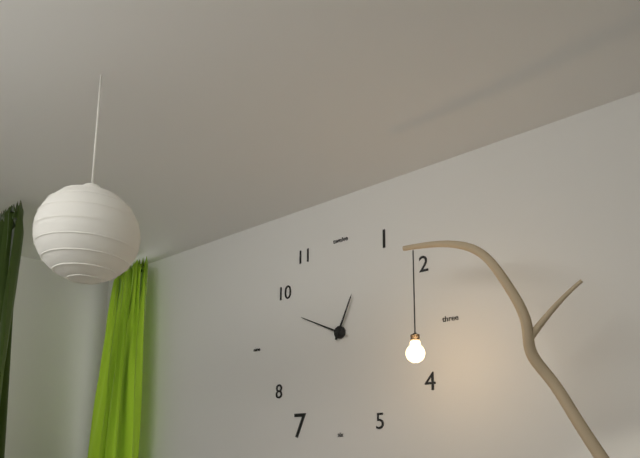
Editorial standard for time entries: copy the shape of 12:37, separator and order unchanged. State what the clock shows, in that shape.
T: 12:49
